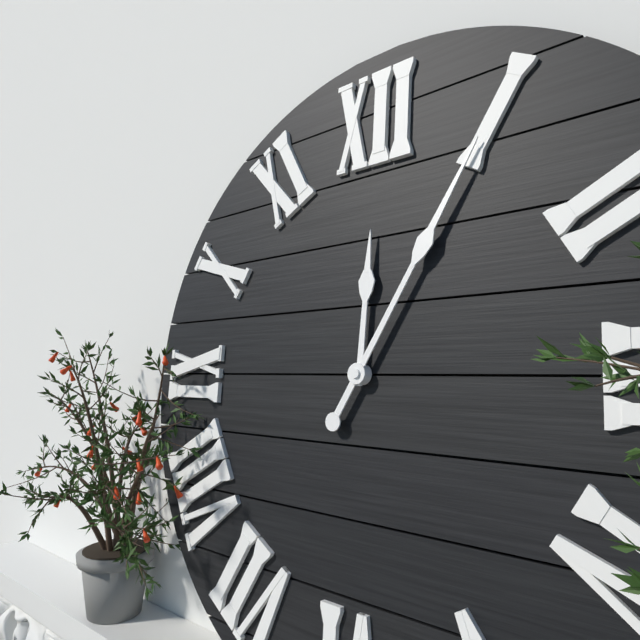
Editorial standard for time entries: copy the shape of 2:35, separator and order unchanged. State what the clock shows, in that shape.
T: 12:05
